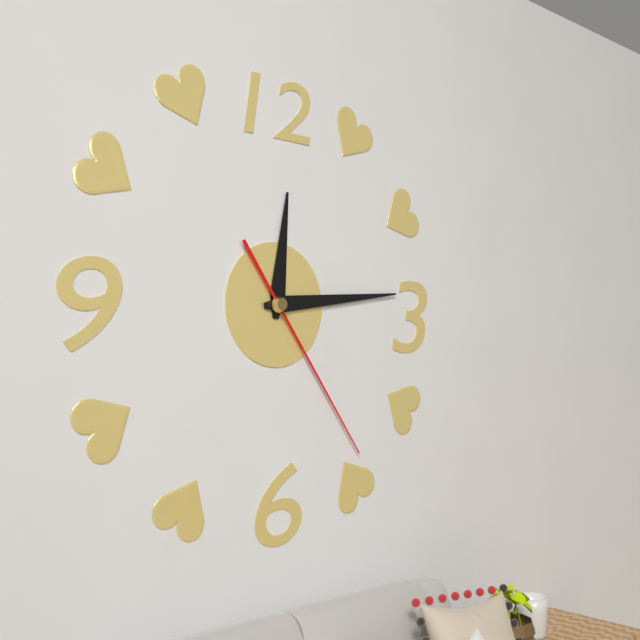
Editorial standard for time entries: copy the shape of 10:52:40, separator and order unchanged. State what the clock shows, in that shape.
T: 12:14:24
